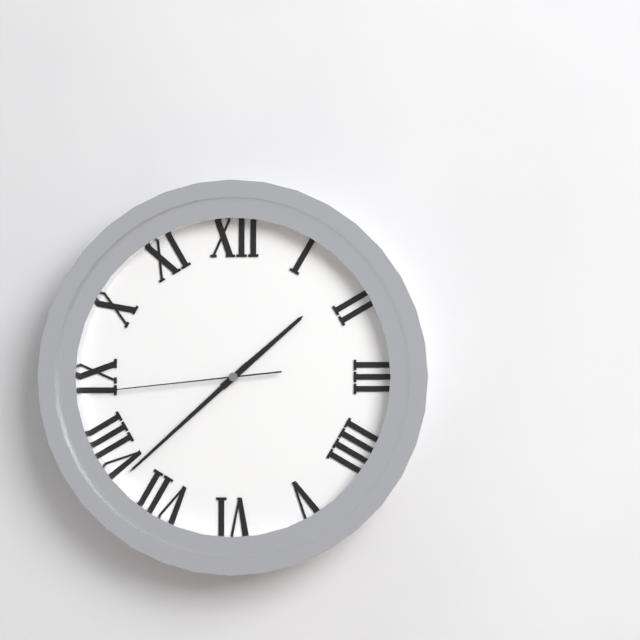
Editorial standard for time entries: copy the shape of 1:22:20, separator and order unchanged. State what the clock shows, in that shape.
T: 1:38:44
